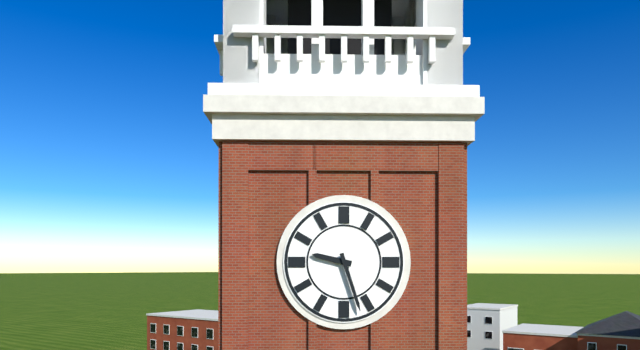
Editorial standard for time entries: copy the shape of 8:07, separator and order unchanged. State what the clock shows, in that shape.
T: 9:27
